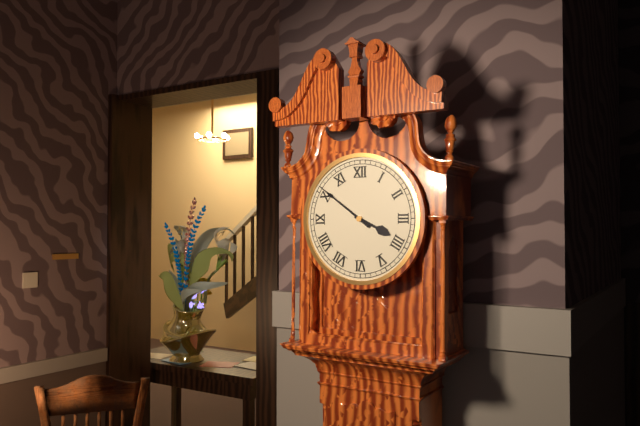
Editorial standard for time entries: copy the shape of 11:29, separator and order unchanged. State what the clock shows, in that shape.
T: 3:51
